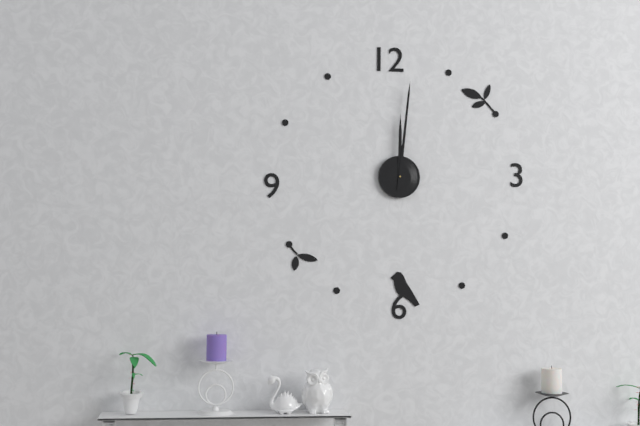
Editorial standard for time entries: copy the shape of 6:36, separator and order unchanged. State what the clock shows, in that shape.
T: 12:01
